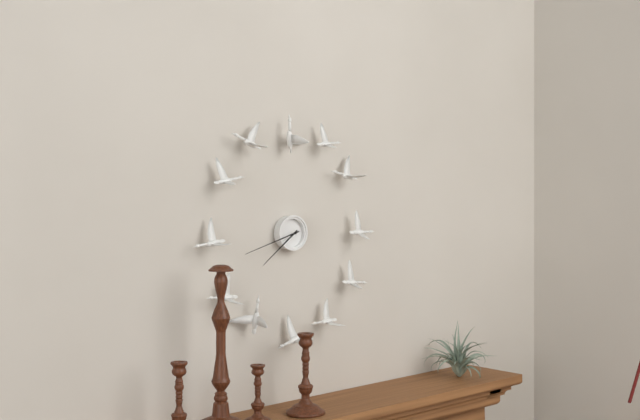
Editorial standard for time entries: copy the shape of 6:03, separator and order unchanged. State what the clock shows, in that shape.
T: 7:42
